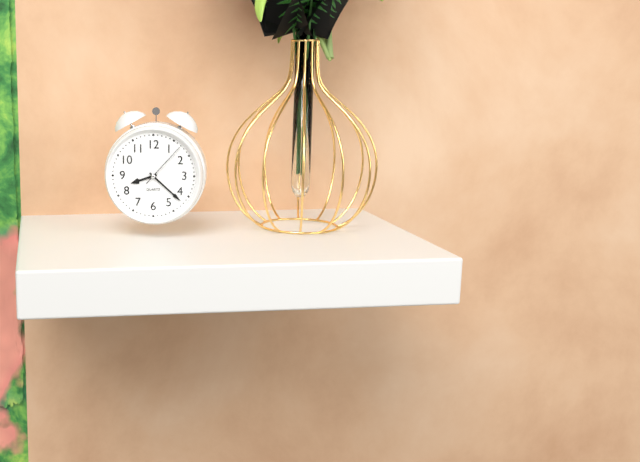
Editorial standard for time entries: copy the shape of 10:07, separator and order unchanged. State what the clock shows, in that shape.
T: 8:22
